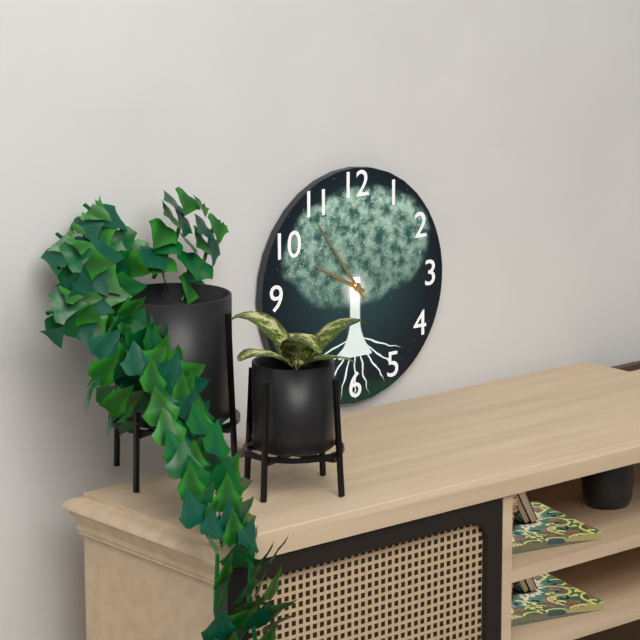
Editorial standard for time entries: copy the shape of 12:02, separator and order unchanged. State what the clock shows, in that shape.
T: 9:54
